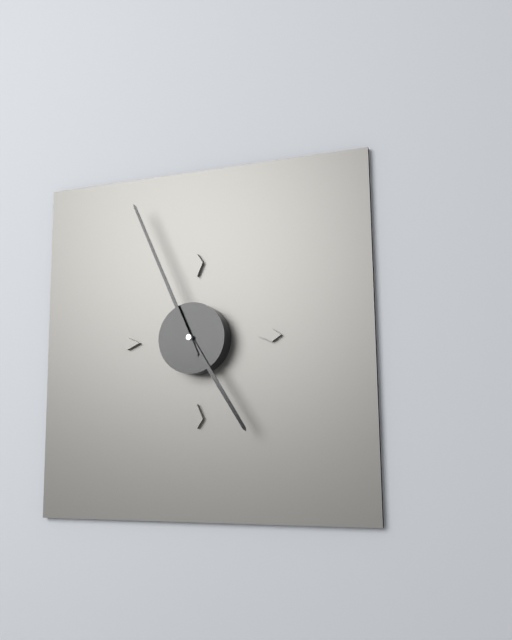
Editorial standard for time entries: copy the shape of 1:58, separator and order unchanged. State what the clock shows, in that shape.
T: 4:56
